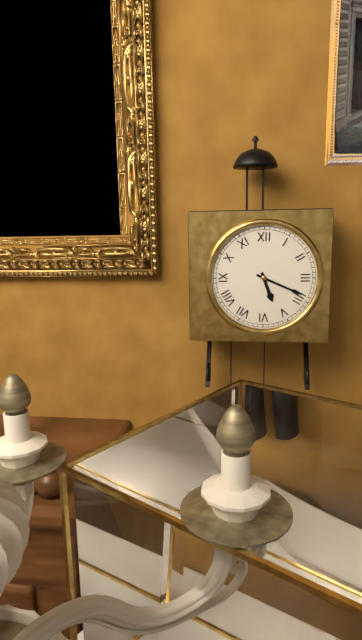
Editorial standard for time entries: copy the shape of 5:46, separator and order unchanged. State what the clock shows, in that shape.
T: 5:19
